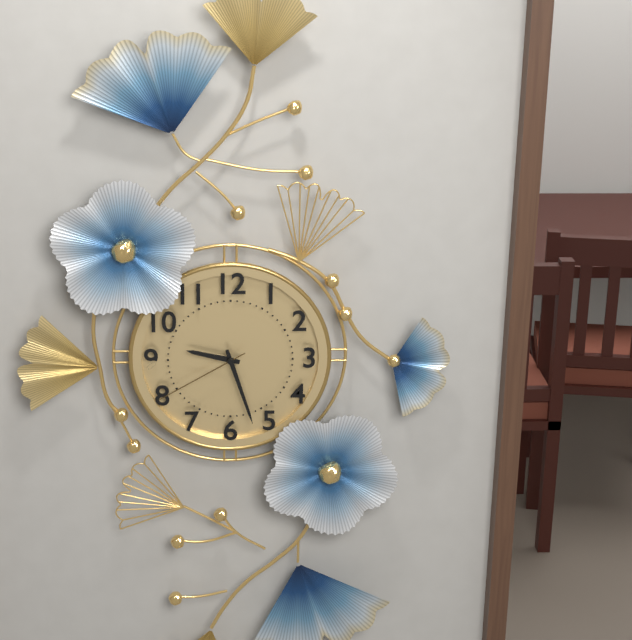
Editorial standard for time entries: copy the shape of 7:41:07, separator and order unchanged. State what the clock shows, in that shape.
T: 9:27:40
